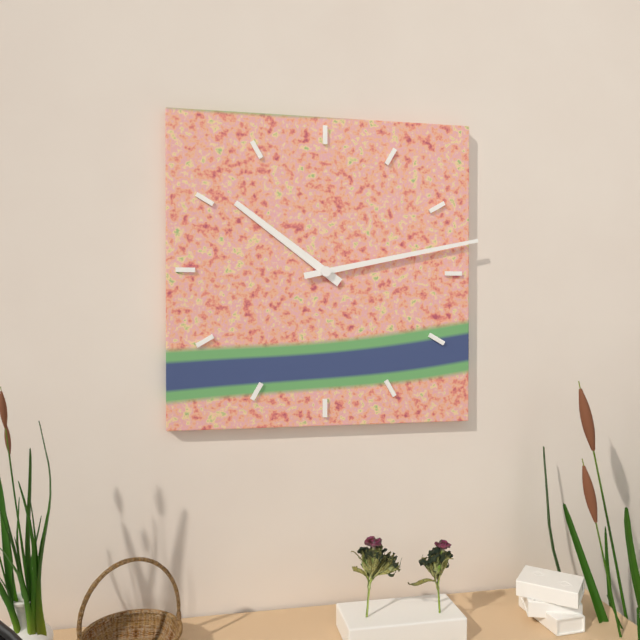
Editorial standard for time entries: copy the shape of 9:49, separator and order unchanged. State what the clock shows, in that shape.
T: 10:13
